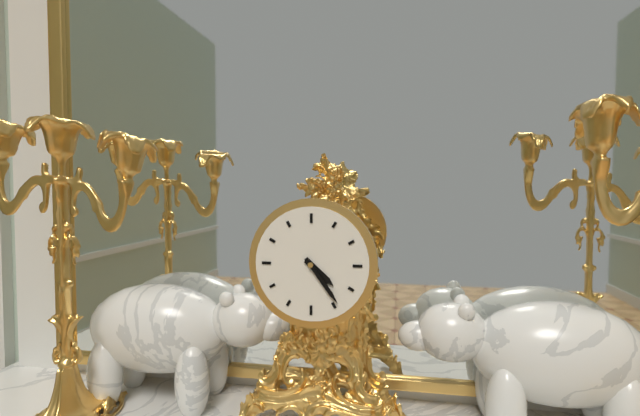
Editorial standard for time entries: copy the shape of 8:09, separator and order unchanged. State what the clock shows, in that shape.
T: 4:24
